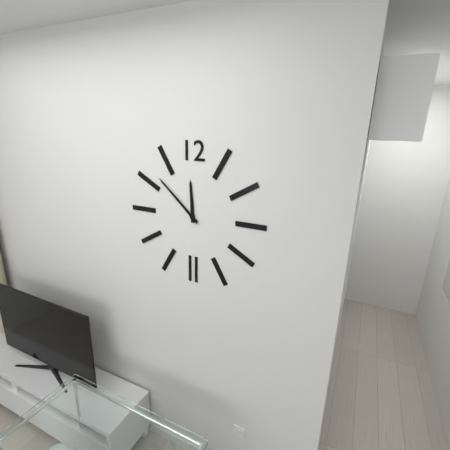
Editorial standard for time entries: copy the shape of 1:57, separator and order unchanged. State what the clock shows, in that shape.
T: 11:52
